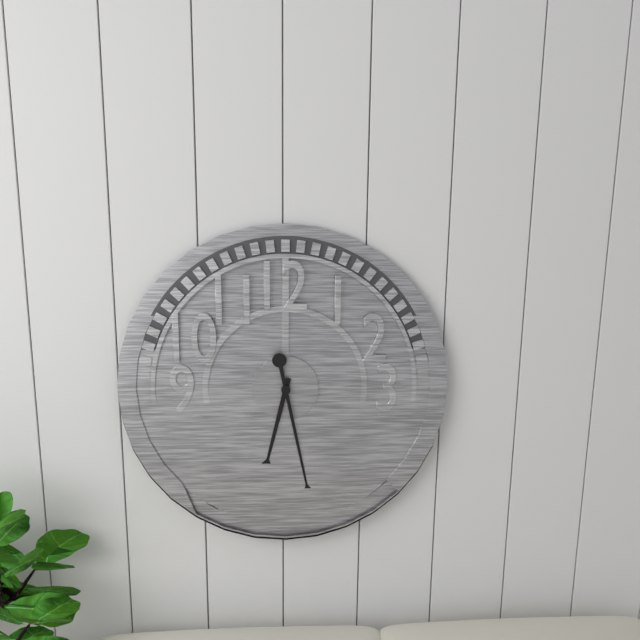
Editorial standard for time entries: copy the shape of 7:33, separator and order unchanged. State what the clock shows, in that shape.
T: 6:28
